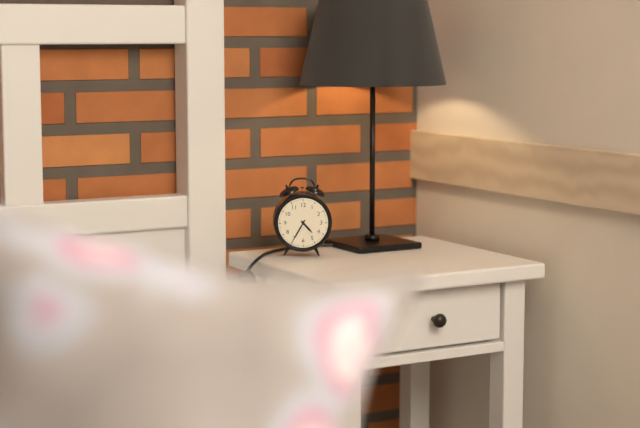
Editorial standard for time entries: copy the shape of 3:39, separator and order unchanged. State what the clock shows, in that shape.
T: 4:35
